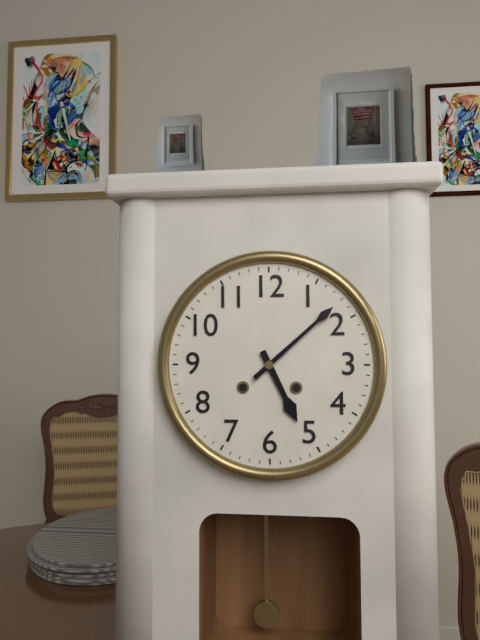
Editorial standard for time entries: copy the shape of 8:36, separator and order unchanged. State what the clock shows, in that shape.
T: 5:08
